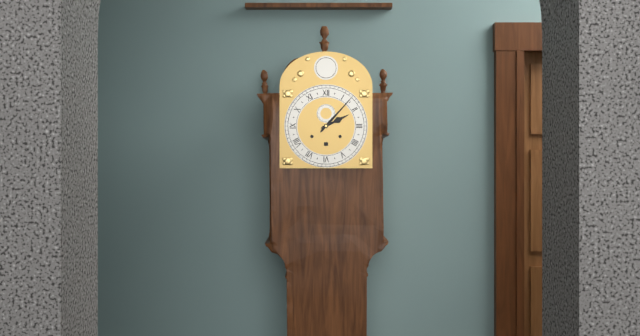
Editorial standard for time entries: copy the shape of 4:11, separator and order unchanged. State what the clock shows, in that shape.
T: 2:07
